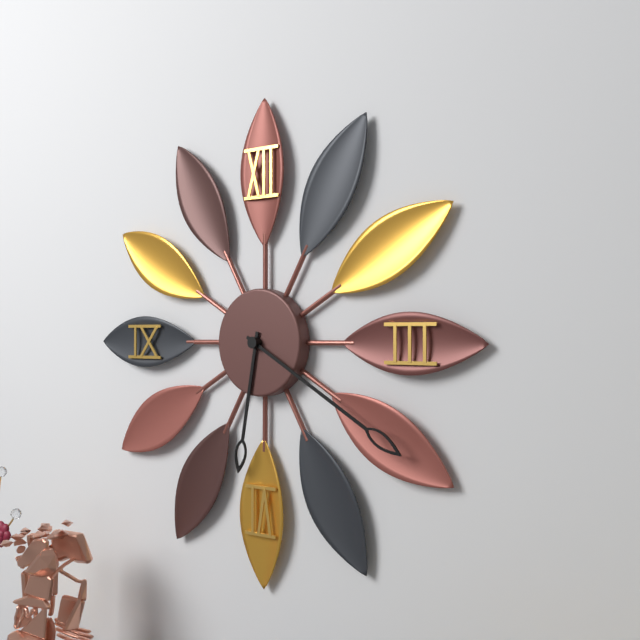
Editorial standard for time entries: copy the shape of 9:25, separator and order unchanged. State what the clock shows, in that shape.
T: 6:20
